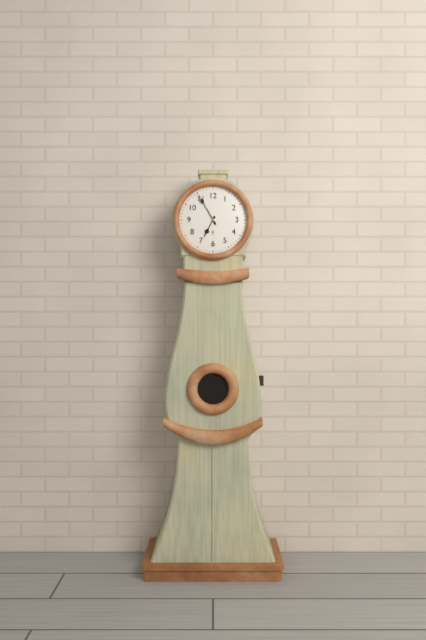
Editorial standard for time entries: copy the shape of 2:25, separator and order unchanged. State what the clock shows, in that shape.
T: 6:55
